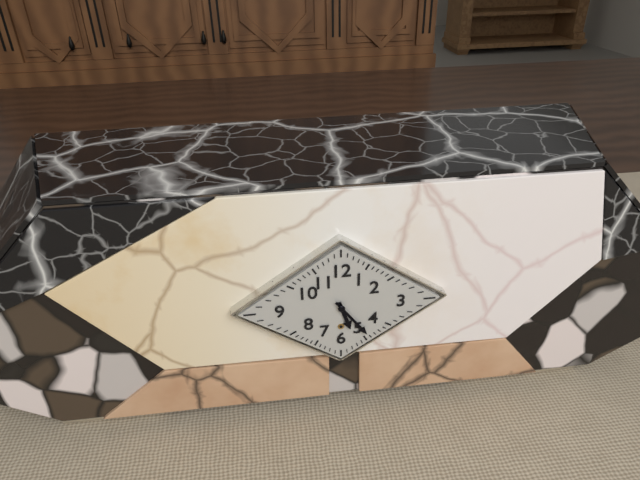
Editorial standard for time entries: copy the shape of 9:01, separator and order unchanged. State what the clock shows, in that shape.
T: 5:24
